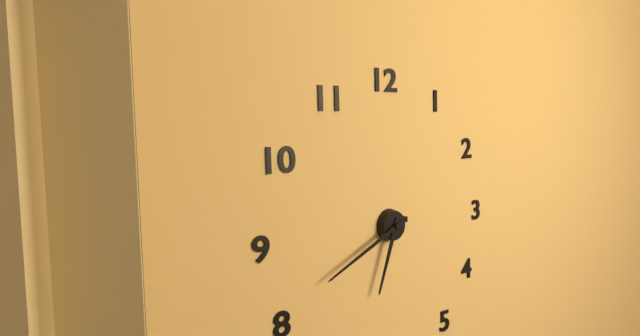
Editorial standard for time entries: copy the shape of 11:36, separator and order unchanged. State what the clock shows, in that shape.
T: 6:41
